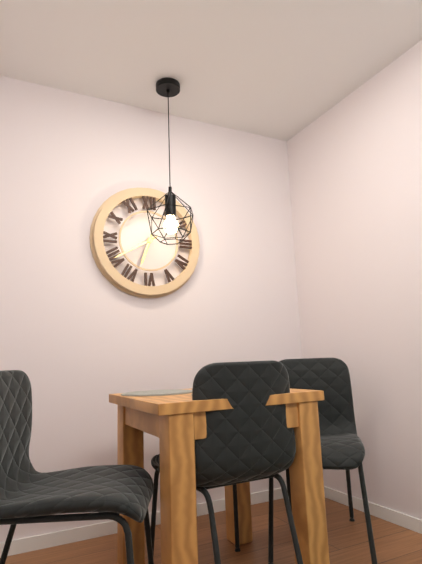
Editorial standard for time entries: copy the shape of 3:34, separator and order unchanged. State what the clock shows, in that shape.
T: 6:40
